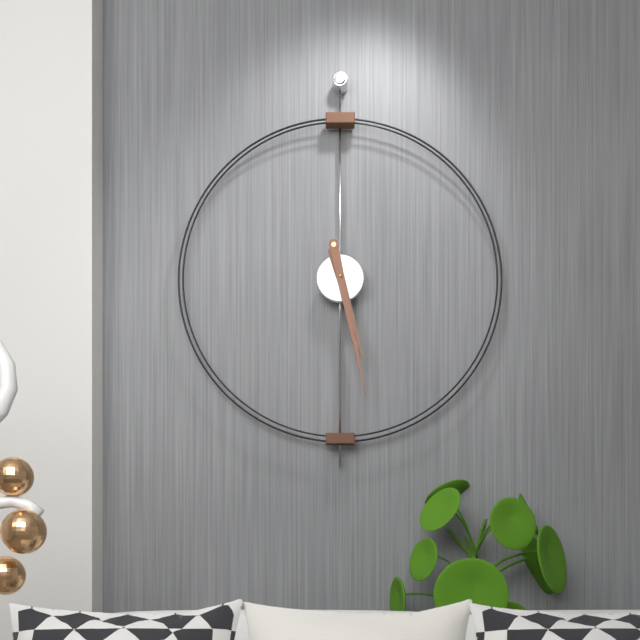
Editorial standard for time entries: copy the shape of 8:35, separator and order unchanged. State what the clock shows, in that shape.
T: 5:28
